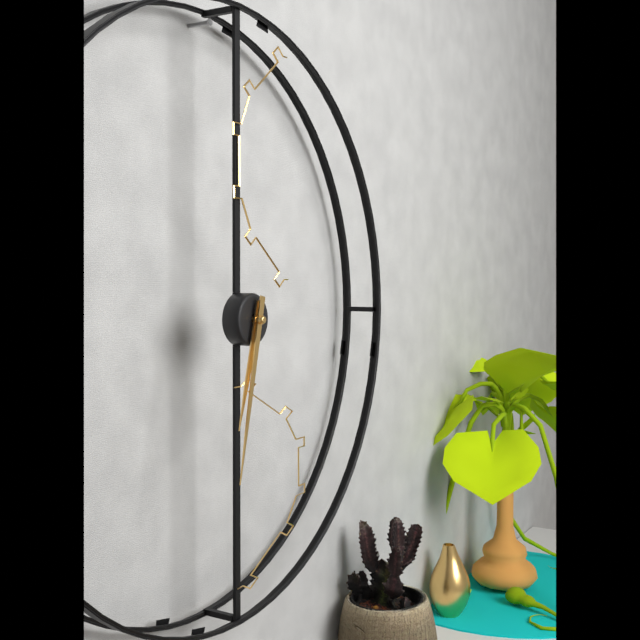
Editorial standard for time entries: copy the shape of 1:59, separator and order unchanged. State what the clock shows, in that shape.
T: 6:32
